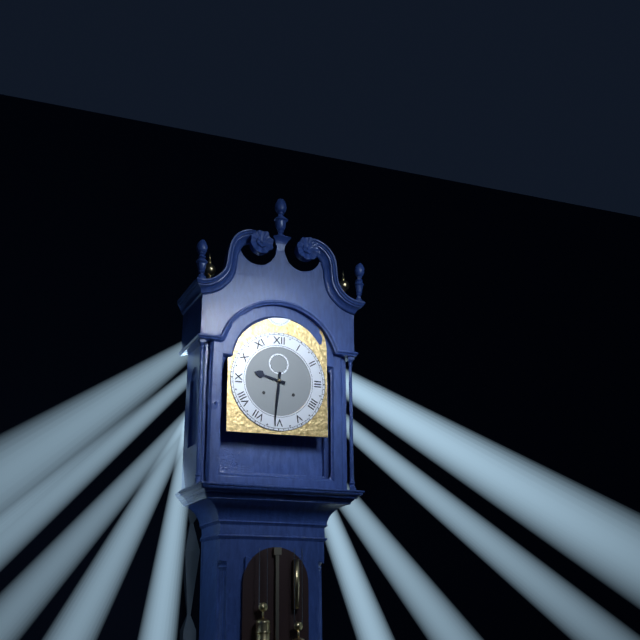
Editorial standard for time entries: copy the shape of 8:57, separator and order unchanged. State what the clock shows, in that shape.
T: 9:31
